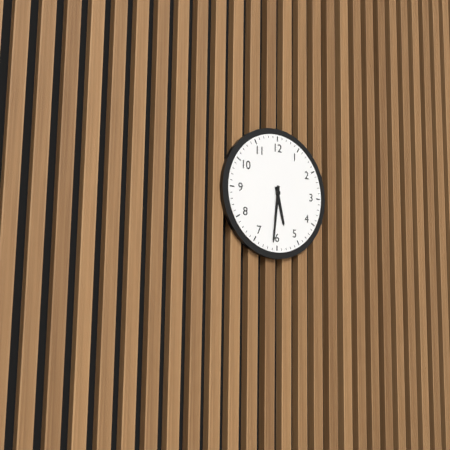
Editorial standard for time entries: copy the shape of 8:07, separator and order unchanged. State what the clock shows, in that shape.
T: 5:31
